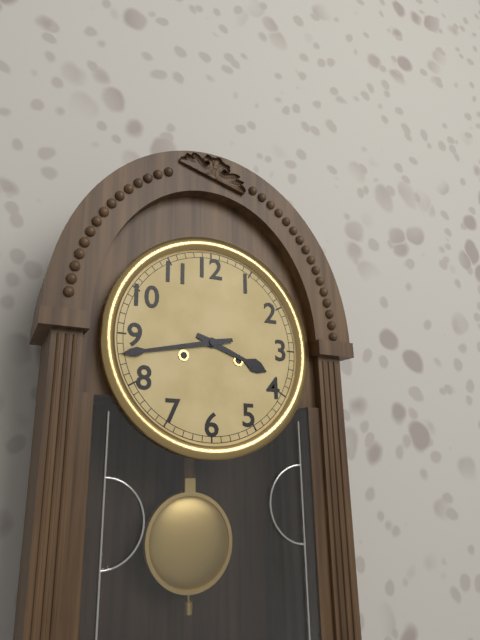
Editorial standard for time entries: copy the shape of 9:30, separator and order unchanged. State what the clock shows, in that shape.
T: 3:43
